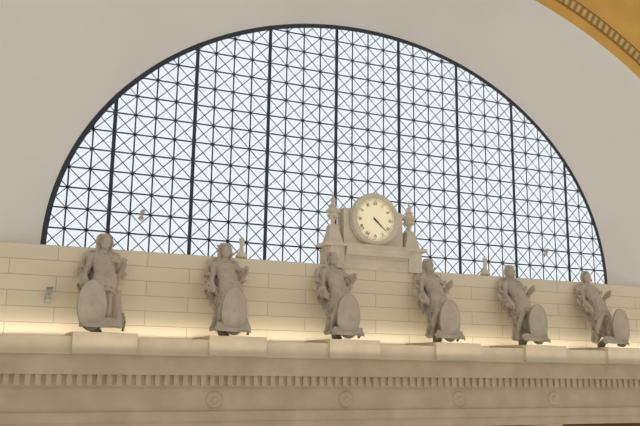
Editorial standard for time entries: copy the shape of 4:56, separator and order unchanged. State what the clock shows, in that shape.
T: 4:22
